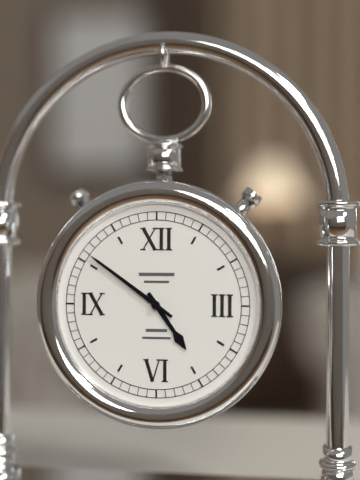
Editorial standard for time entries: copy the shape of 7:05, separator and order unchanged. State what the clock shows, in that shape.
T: 4:51
